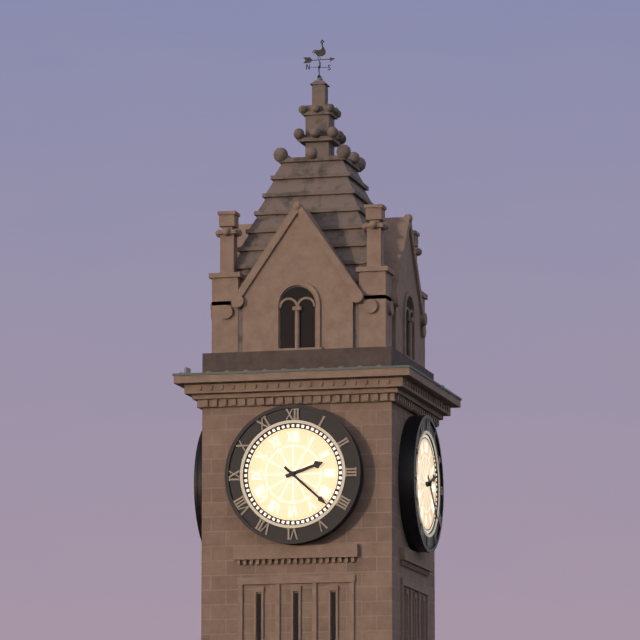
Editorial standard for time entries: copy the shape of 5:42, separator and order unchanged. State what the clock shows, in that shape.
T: 2:22
